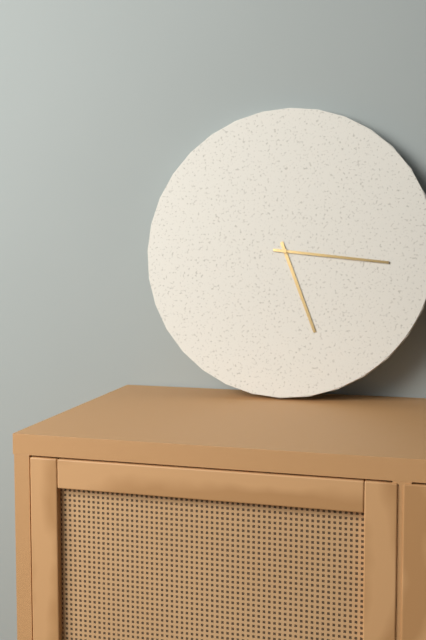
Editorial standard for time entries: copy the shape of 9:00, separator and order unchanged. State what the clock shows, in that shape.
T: 5:16
